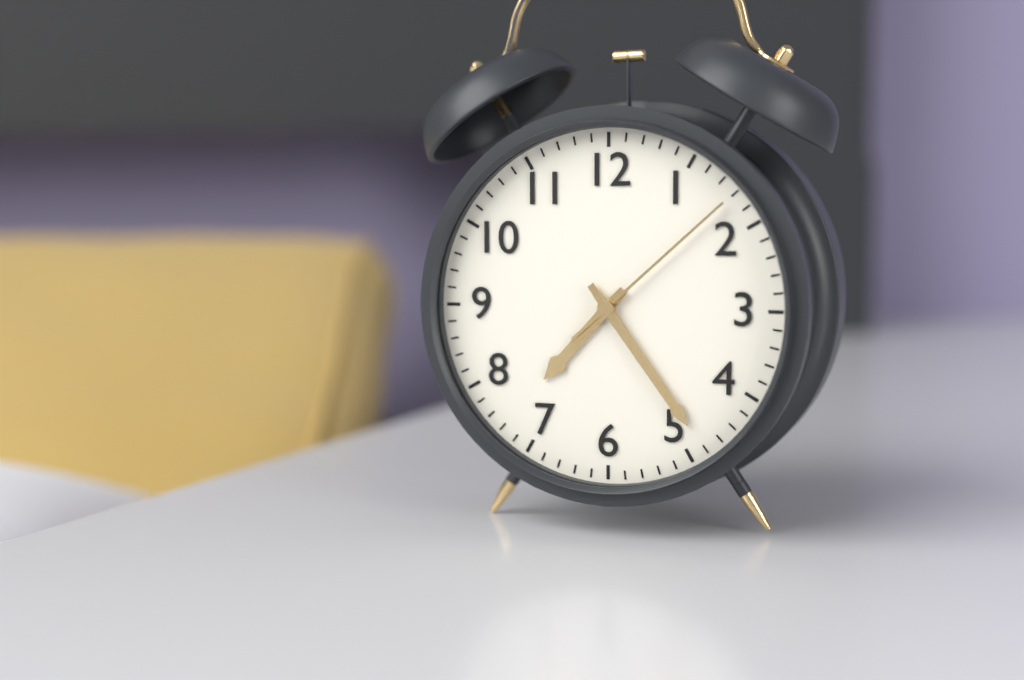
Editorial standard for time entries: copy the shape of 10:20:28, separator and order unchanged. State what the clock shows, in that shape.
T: 7:24:08
